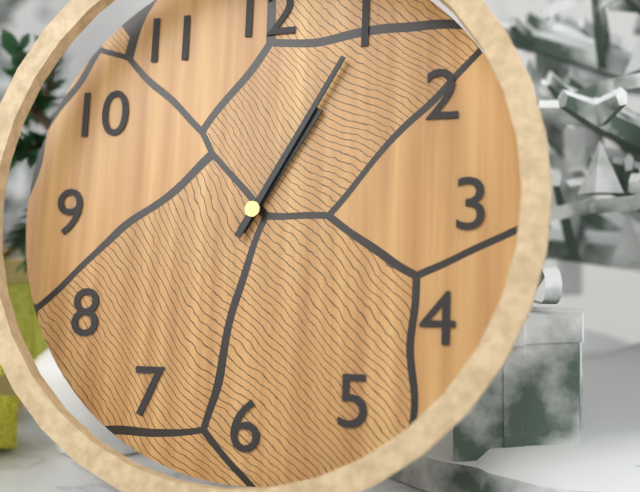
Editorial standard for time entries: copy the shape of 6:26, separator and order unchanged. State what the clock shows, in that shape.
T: 1:05
